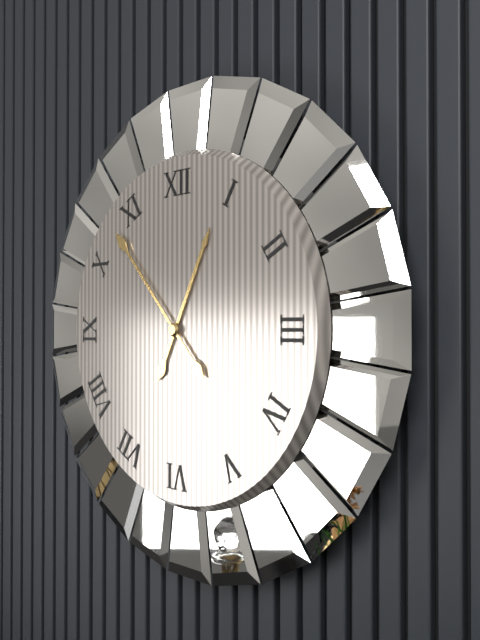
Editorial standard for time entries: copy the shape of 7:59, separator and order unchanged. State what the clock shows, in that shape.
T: 12:53
